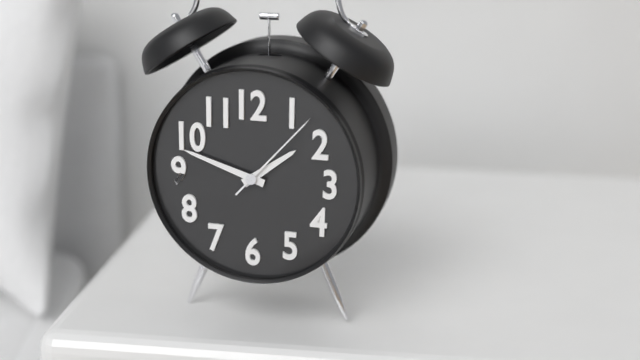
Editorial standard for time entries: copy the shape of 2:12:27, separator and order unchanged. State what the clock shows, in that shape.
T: 1:48:07
